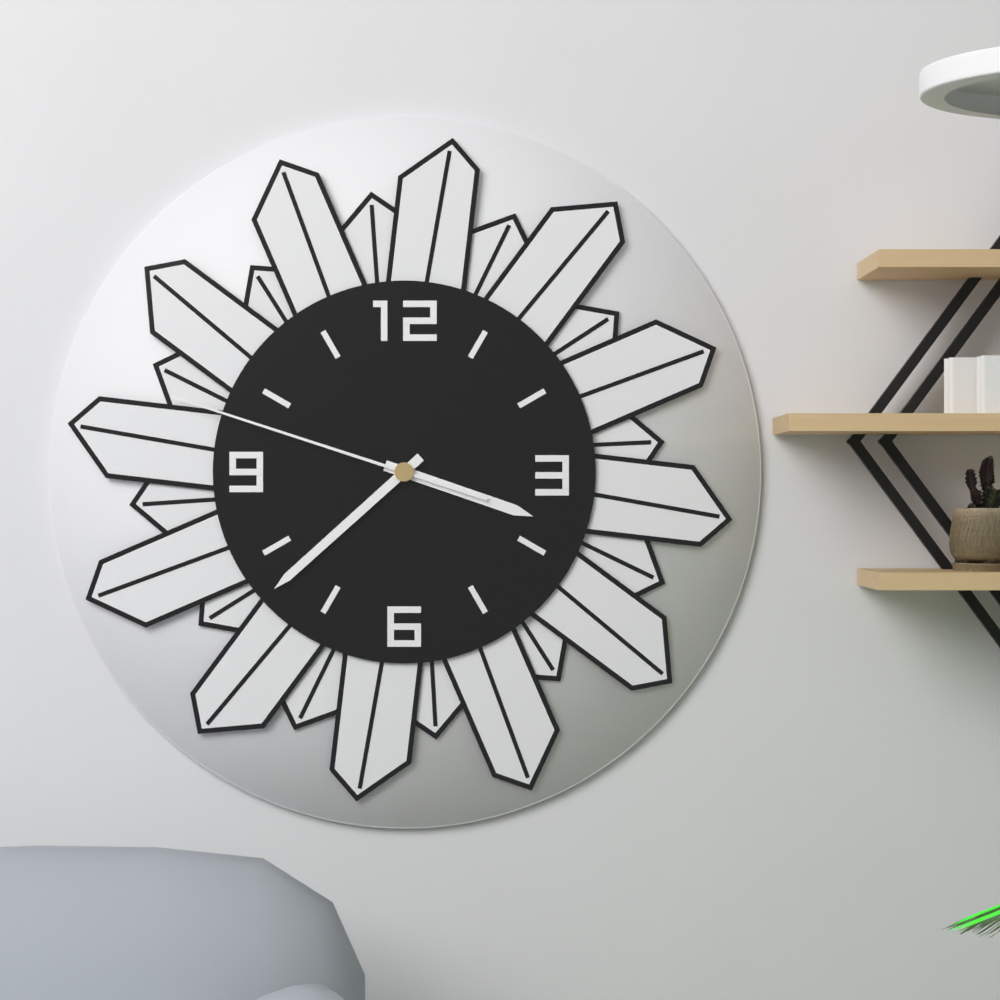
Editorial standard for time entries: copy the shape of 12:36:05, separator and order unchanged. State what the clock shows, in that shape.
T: 3:38:48
